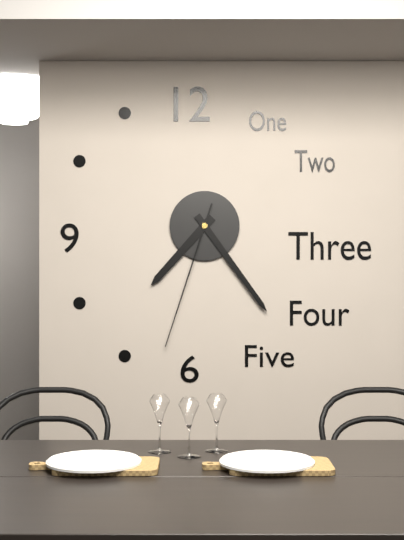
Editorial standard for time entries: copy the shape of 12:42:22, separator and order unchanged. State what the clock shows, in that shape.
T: 7:24:33
